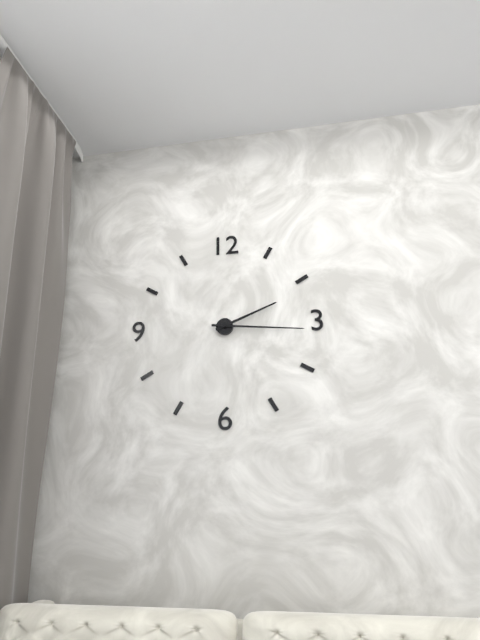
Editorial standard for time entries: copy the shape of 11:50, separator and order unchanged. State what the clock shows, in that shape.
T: 2:16
